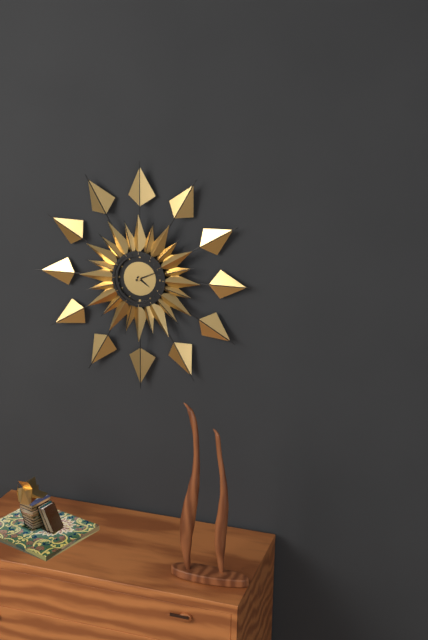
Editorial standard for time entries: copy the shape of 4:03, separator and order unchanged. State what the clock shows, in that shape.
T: 4:11
